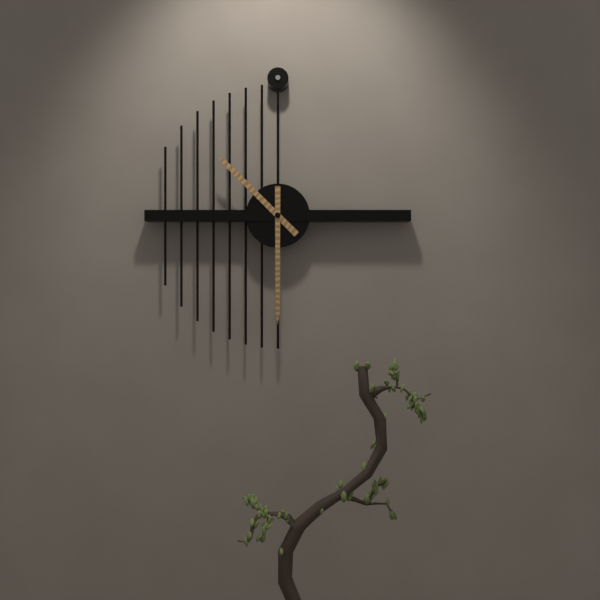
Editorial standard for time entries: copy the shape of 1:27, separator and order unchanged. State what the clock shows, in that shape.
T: 10:30
